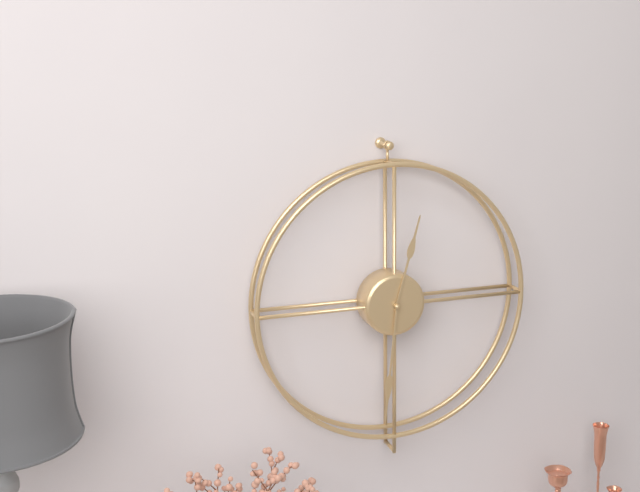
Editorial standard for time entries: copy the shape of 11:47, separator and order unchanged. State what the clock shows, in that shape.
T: 12:31
